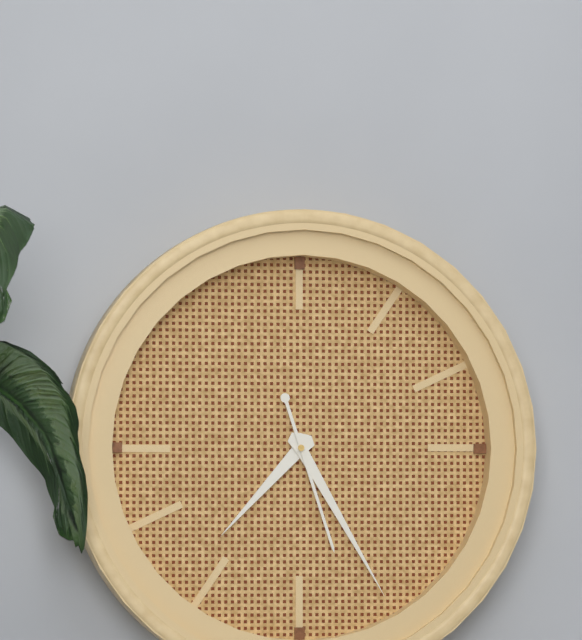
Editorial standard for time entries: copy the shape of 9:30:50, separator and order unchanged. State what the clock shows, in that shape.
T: 7:25:27
